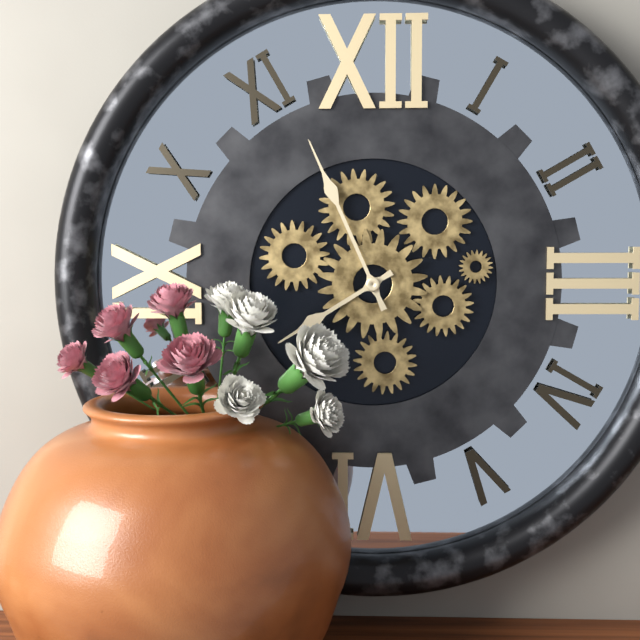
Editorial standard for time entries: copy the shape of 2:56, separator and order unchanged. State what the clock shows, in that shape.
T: 7:56
